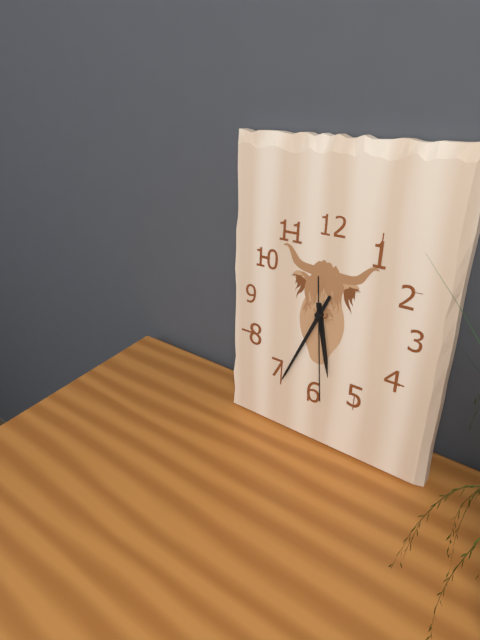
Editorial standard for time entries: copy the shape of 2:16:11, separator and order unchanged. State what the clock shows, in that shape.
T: 5:34:29
